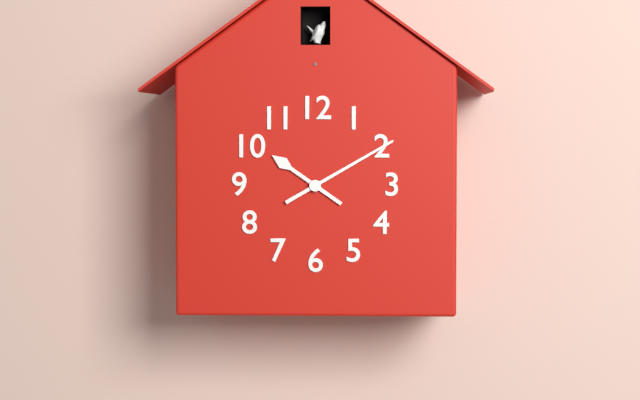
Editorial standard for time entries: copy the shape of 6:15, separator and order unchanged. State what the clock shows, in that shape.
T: 10:10
